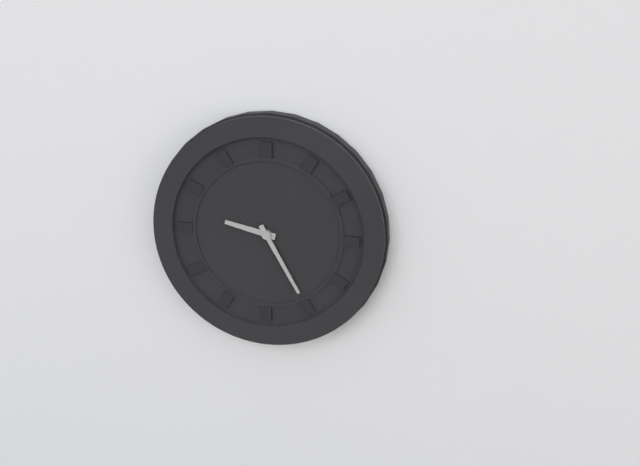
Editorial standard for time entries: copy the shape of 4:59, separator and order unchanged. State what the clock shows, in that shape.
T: 9:25
